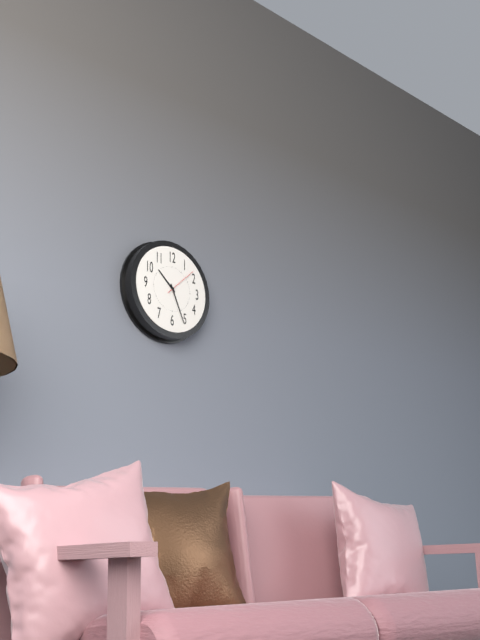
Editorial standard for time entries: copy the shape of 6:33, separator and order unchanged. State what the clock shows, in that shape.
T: 10:26
